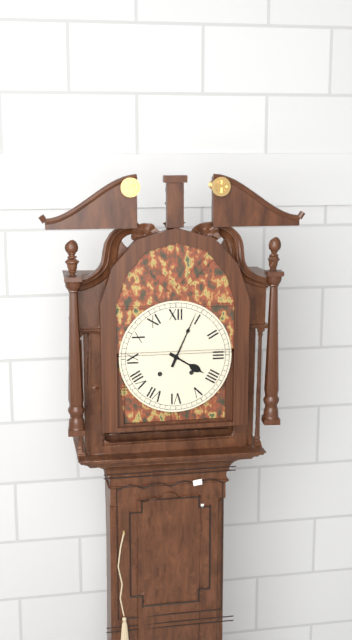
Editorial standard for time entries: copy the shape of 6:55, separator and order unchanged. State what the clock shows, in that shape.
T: 4:04
